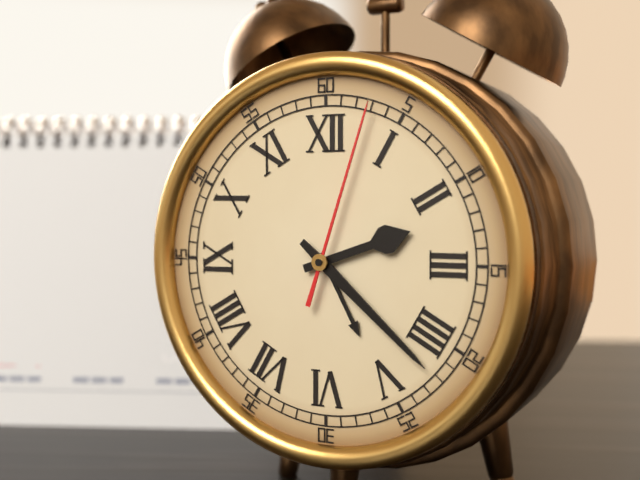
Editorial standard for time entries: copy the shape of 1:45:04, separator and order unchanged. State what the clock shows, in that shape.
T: 2:22:03
